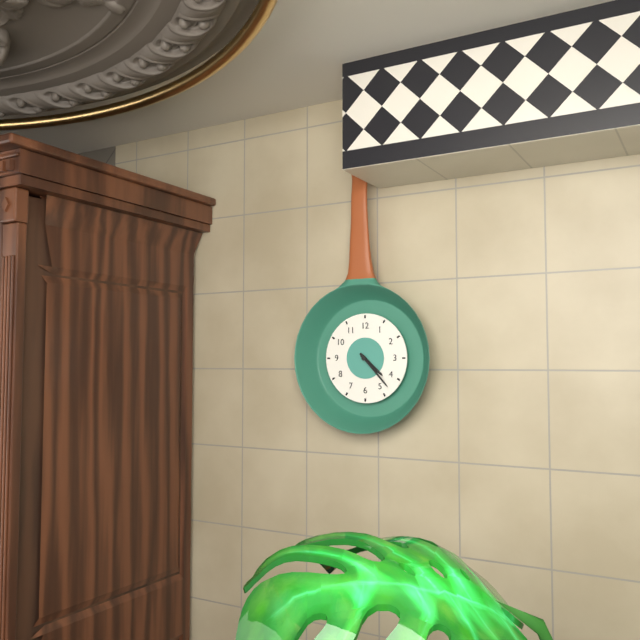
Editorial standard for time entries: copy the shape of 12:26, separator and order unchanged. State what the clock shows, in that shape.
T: 4:23
